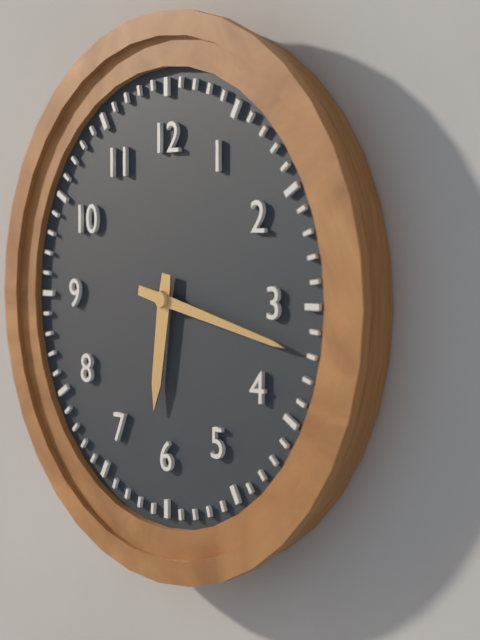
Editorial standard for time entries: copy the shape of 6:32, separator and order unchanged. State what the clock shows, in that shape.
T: 6:17
